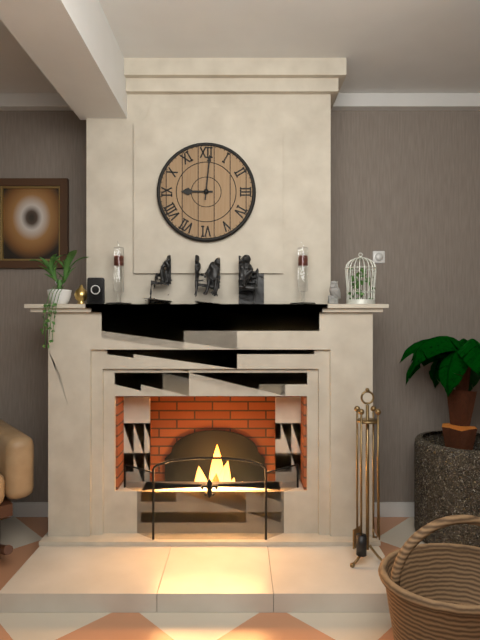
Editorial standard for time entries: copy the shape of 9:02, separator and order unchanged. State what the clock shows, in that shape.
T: 9:01
